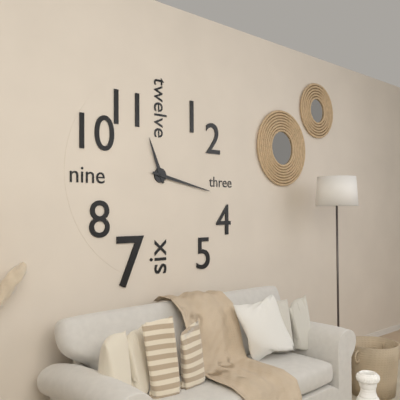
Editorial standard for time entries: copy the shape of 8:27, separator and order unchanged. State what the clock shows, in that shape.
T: 11:17
